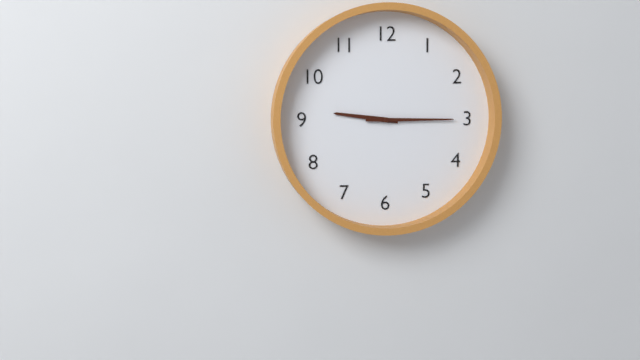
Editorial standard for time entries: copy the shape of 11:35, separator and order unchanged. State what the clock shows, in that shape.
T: 9:15
